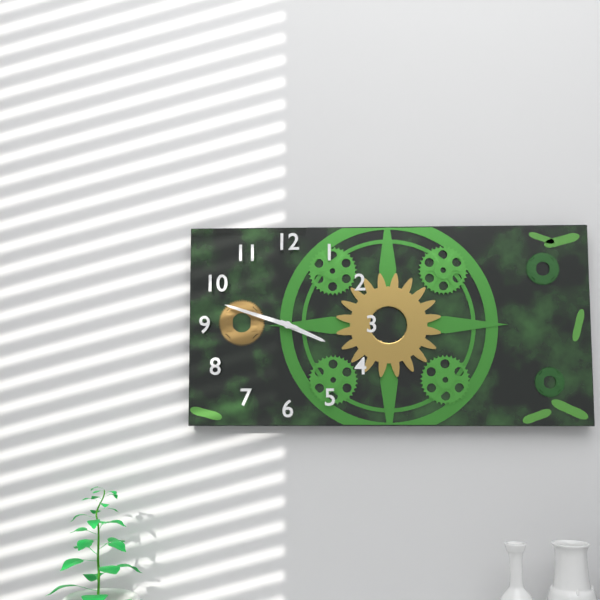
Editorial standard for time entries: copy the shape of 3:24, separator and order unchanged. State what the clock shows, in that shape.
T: 3:48
